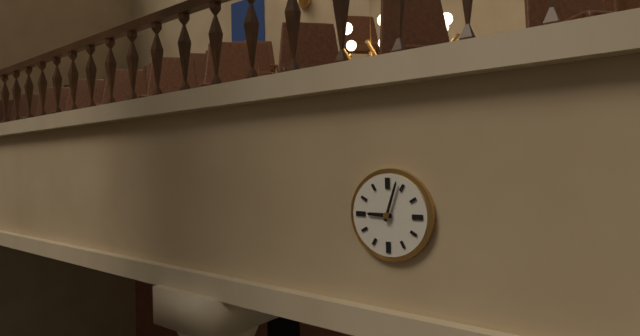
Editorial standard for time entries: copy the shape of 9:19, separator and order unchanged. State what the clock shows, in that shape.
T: 9:03
